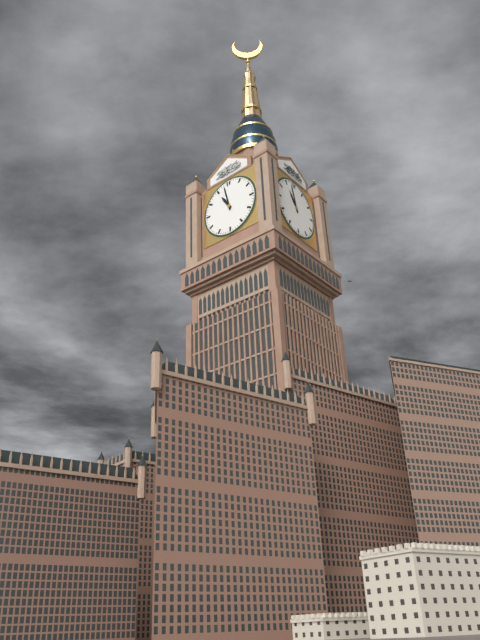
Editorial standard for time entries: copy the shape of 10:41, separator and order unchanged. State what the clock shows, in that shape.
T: 10:58
